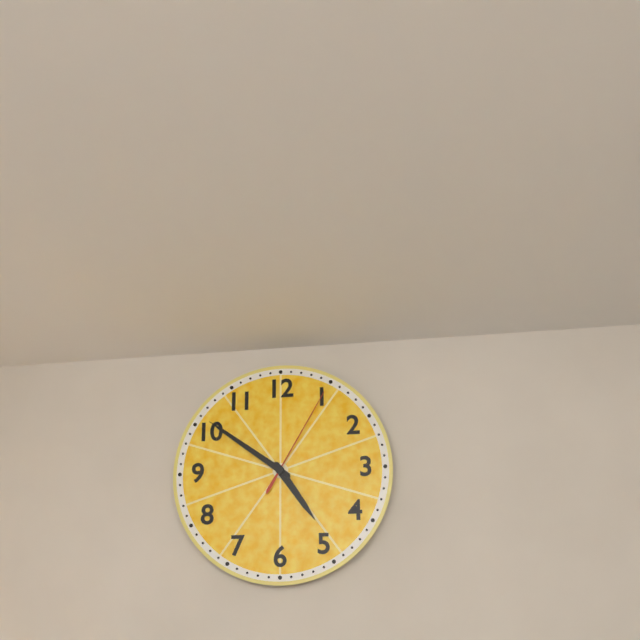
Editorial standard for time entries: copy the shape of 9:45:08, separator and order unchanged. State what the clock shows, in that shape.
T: 4:51:05
